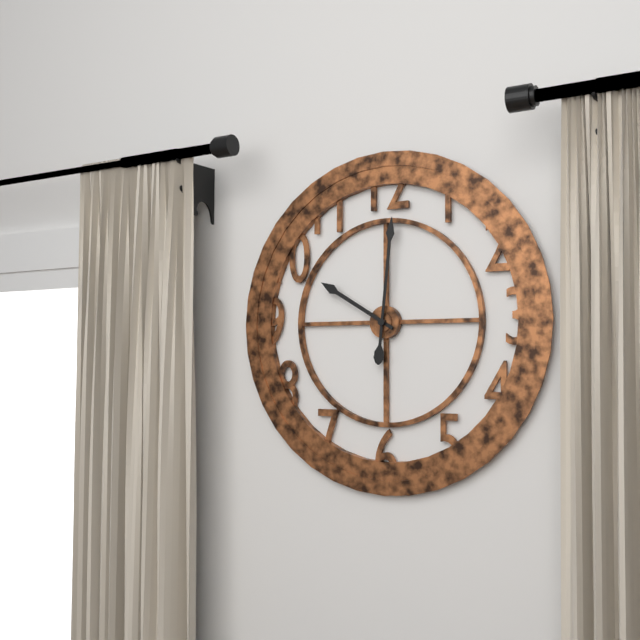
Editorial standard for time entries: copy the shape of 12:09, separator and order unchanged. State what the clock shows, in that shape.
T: 10:01
